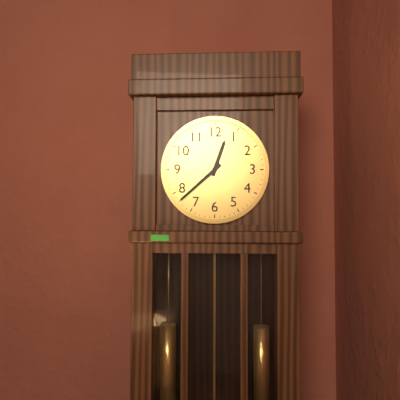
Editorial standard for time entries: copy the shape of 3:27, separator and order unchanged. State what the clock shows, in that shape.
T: 12:38
